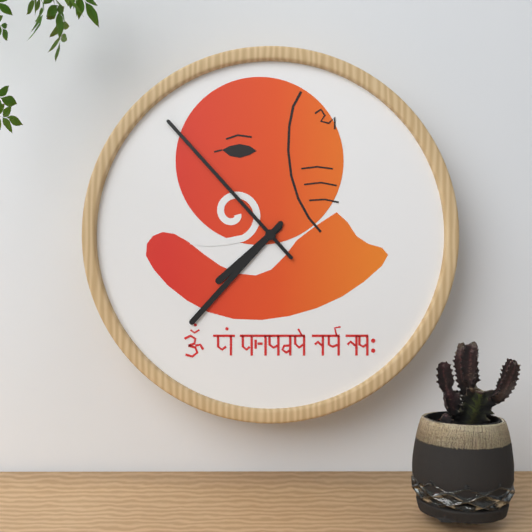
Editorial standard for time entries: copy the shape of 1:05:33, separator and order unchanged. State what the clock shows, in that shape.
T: 7:37:53
